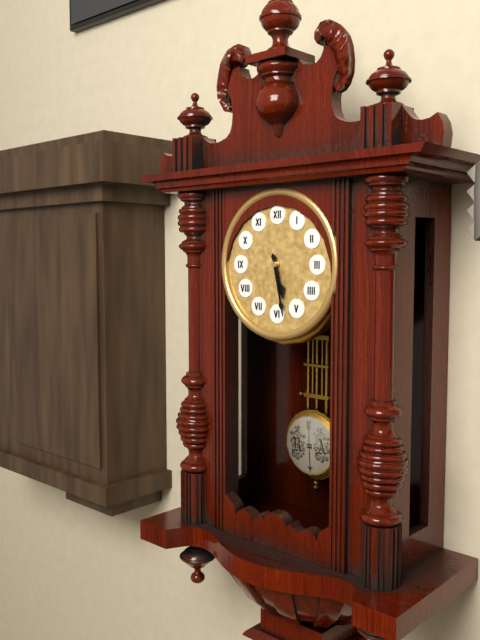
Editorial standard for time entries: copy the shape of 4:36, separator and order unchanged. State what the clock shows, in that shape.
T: 5:28
